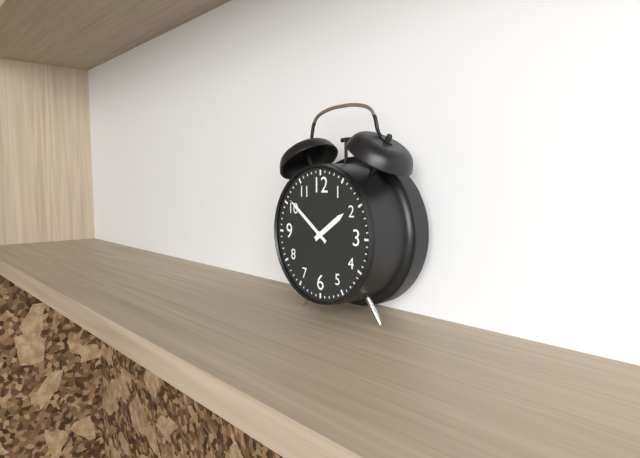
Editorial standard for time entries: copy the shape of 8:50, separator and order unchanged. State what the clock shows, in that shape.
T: 1:51
